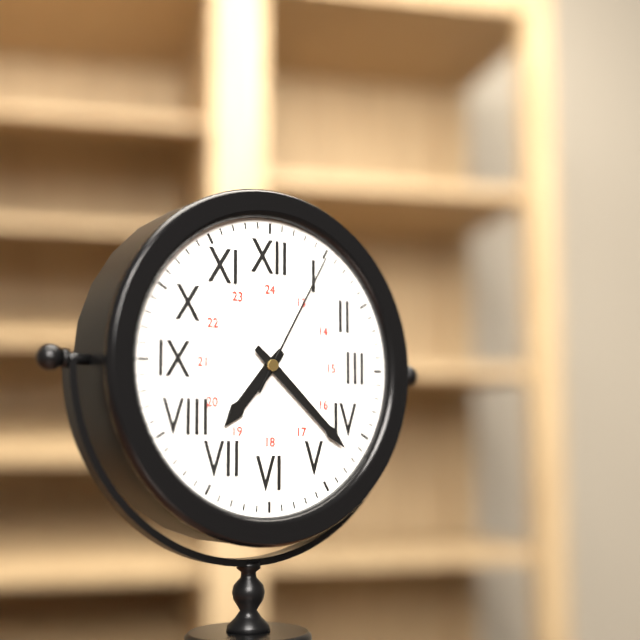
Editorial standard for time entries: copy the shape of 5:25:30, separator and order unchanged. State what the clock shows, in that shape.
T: 7:22:05
